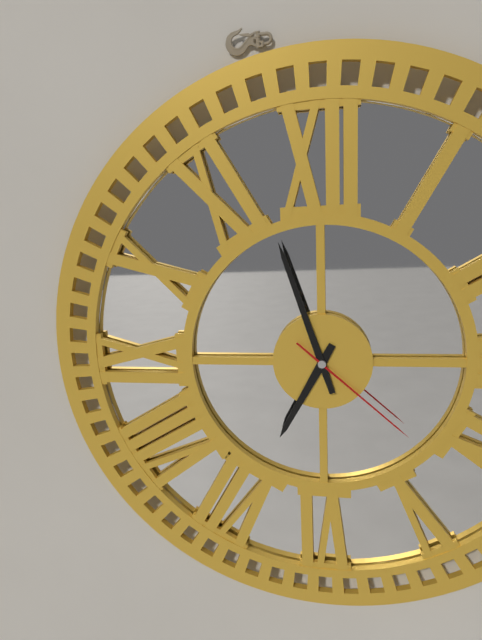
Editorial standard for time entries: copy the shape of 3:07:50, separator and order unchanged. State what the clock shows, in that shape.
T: 6:57:22
